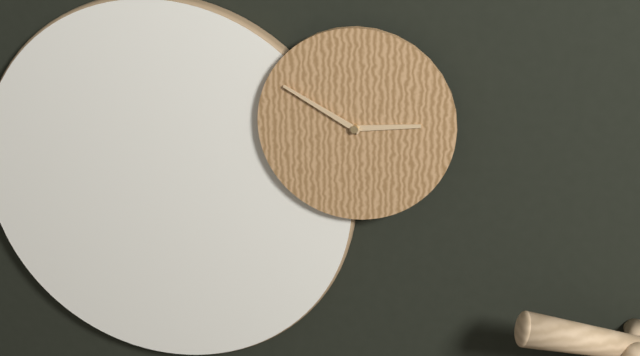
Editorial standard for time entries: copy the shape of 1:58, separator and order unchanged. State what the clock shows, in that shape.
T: 2:50
